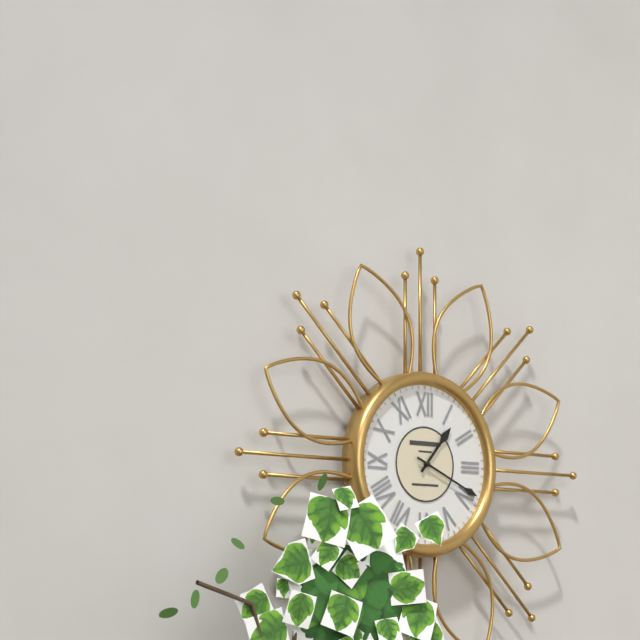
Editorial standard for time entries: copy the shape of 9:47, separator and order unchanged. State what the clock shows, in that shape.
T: 1:19
